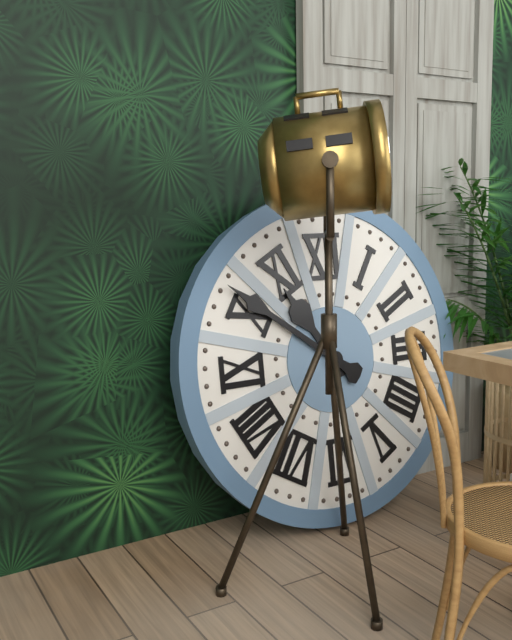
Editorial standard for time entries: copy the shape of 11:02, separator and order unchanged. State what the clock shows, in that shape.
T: 10:51
